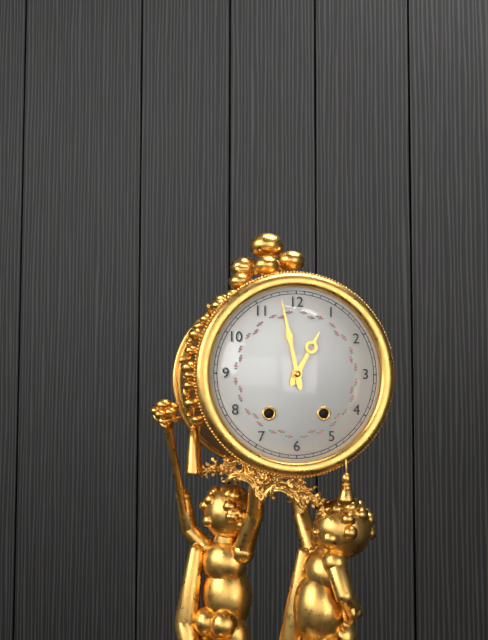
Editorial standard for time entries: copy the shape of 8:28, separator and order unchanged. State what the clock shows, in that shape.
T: 12:58
